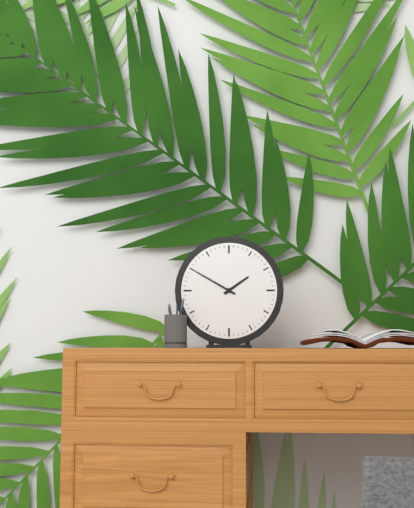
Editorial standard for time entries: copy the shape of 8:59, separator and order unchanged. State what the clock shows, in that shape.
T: 1:50
